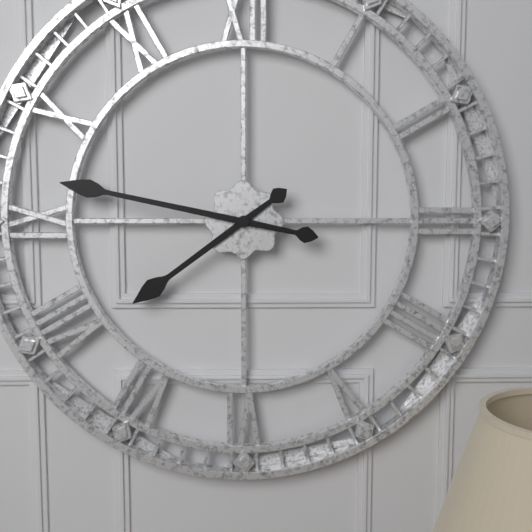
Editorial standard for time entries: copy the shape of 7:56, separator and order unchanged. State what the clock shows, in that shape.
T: 7:47
